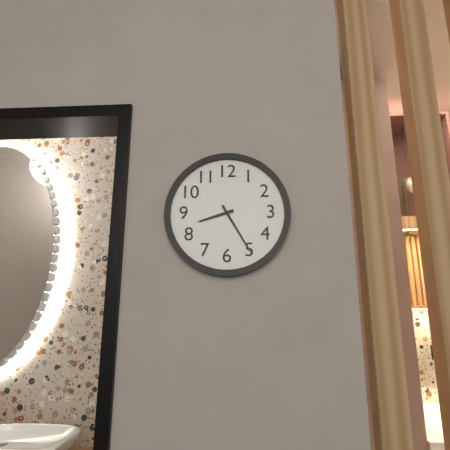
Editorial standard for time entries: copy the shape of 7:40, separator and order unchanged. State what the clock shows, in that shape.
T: 8:25
